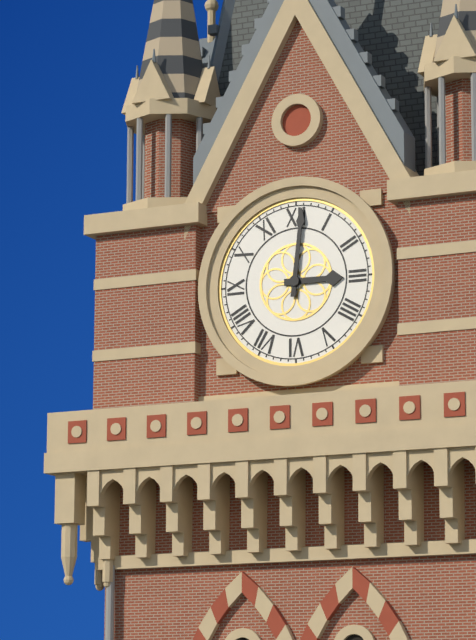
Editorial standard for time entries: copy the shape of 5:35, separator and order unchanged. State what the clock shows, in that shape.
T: 3:01
